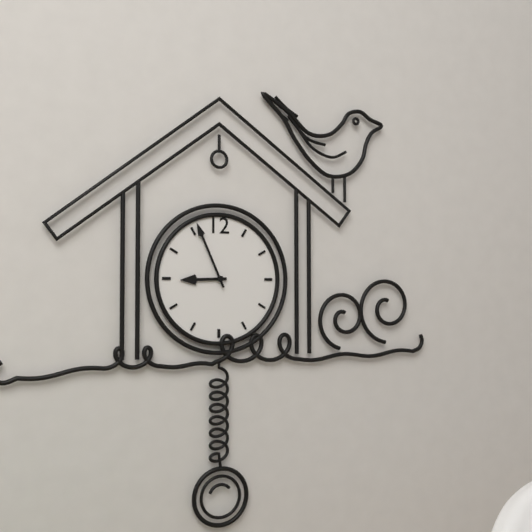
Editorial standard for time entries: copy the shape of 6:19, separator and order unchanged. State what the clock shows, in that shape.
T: 8:56
